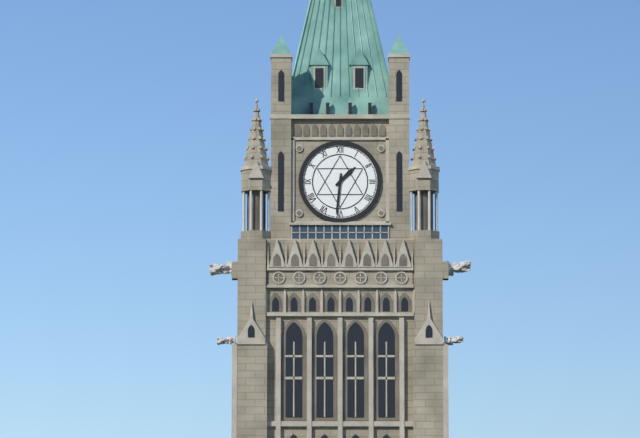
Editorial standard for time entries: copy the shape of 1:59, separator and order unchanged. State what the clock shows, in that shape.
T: 1:31
